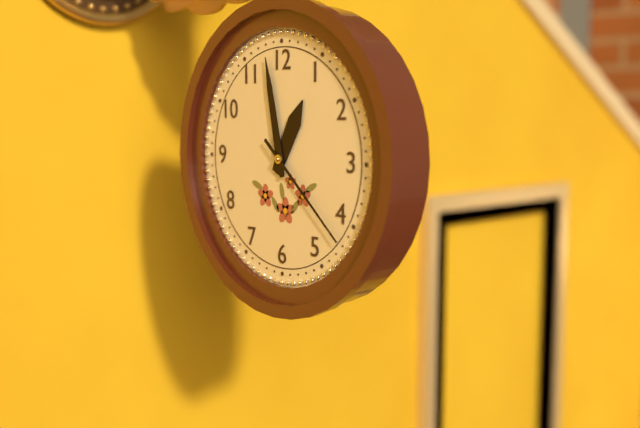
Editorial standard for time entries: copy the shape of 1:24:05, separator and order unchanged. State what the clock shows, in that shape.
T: 12:58:22
